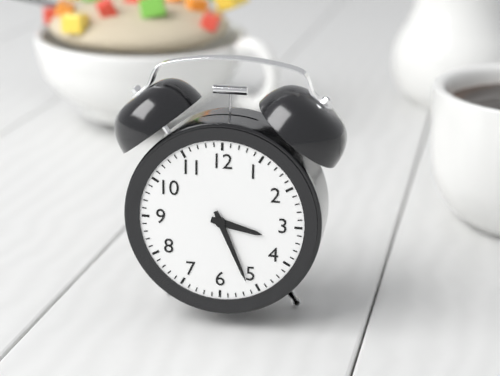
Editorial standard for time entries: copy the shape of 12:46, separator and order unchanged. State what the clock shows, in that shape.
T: 3:26
